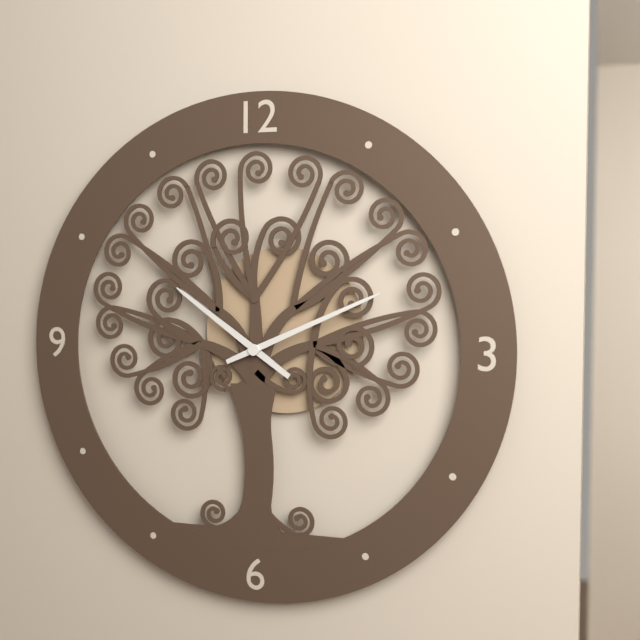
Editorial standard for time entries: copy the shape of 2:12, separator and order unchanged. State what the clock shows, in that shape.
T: 10:11
